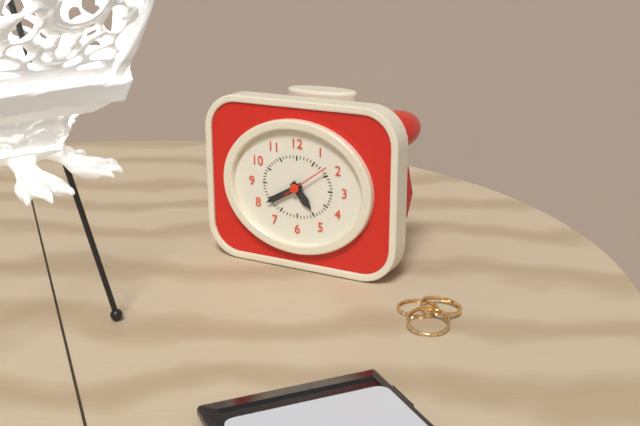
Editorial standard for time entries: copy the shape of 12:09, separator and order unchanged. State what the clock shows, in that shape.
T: 4:40
